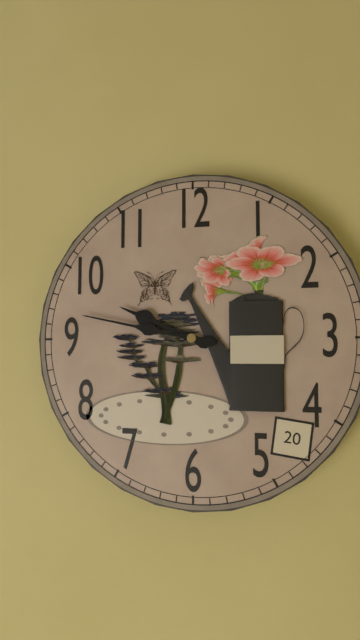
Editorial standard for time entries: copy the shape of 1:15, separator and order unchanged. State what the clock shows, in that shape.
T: 9:47
